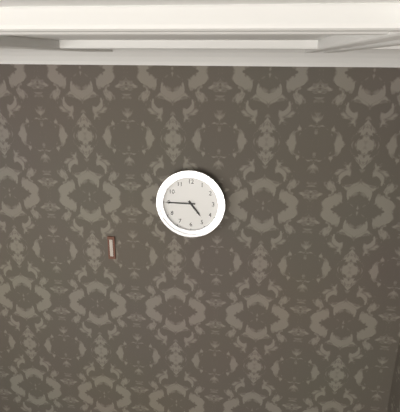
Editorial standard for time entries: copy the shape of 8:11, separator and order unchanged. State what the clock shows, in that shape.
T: 4:45
